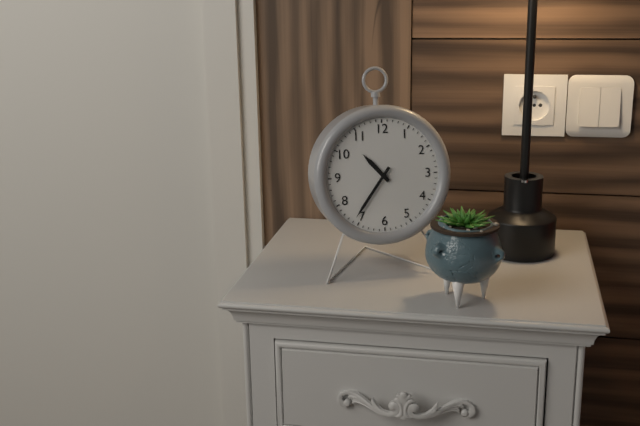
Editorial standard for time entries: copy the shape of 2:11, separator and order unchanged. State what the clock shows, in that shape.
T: 10:36
